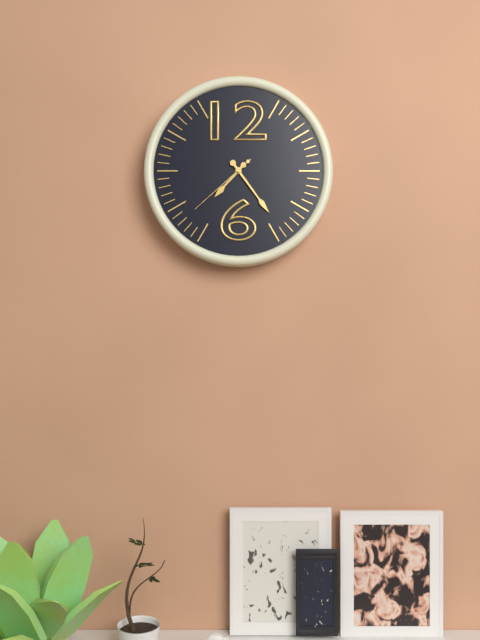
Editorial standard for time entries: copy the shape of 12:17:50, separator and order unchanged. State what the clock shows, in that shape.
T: 7:24:38
